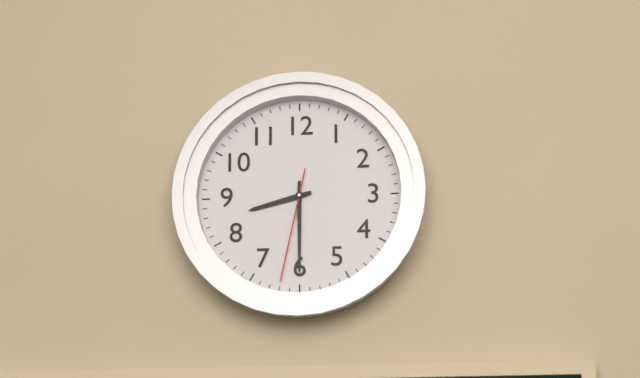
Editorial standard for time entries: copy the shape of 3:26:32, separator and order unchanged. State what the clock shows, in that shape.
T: 8:30:32
